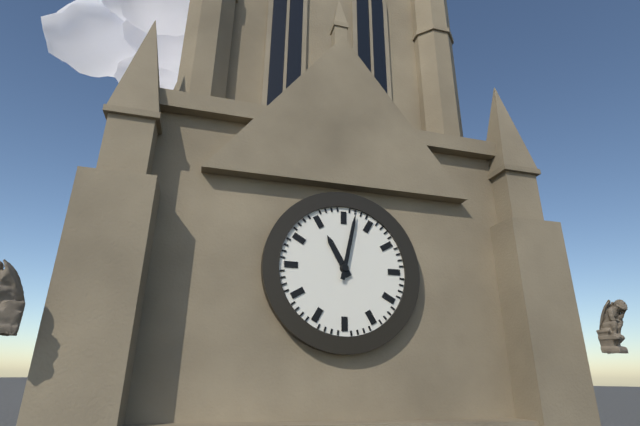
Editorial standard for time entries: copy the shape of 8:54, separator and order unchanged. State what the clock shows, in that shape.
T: 11:02
